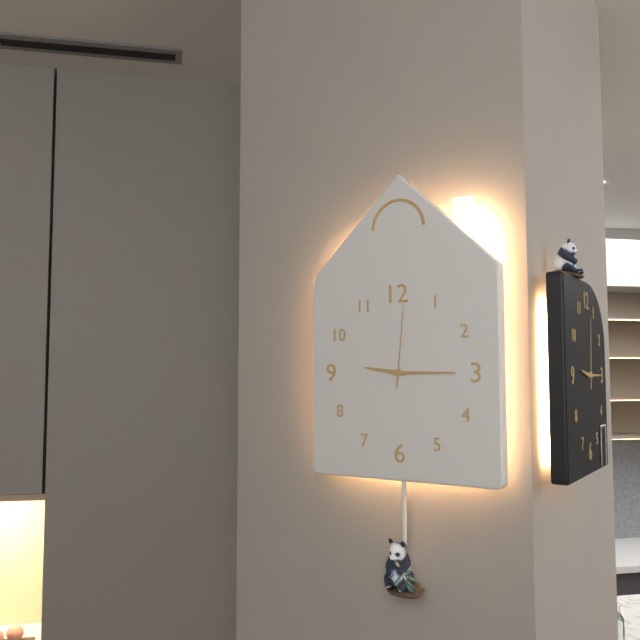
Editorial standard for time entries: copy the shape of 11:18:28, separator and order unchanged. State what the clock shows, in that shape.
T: 9:15:01
